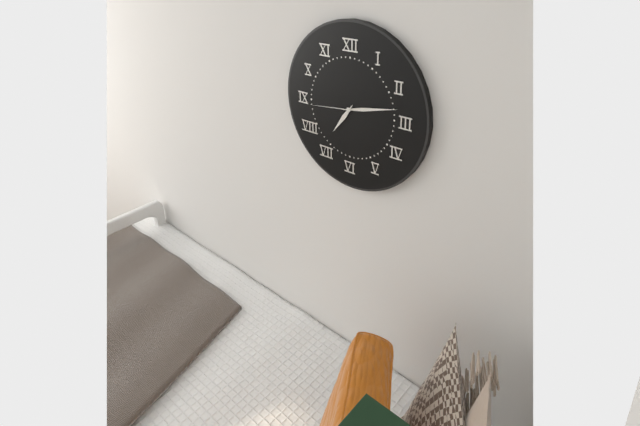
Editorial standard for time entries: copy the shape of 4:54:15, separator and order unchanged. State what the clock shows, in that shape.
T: 7:13:44
